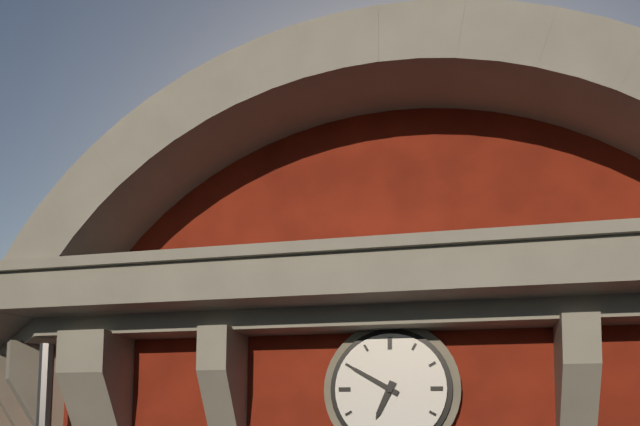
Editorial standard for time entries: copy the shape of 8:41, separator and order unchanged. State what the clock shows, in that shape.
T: 6:50
